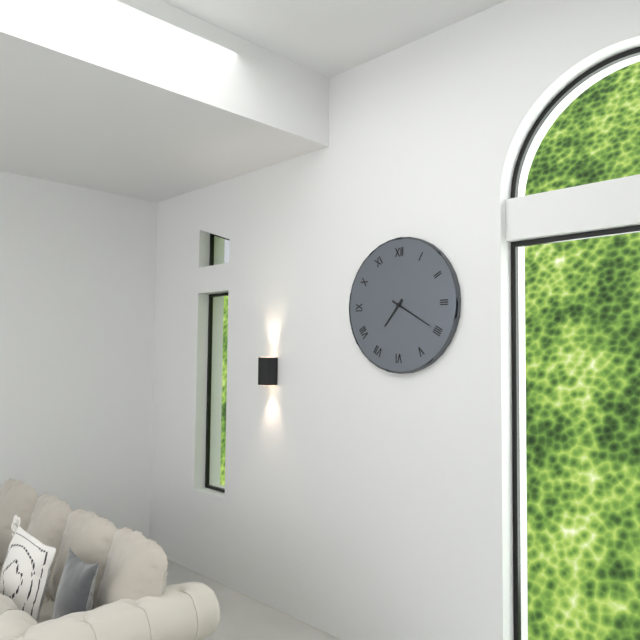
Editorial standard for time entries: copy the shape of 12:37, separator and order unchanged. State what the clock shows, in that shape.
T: 7:20
